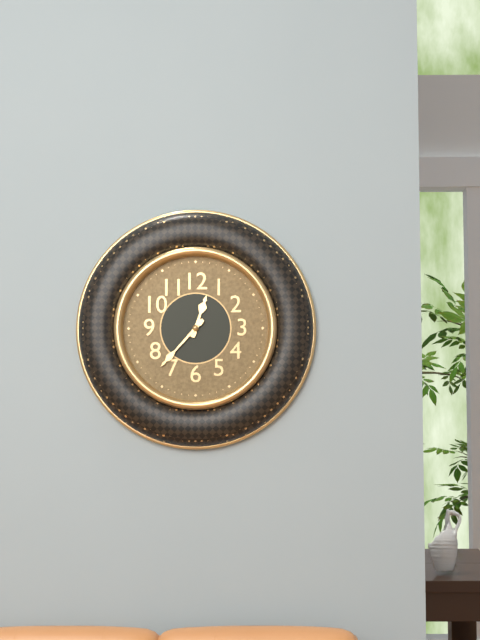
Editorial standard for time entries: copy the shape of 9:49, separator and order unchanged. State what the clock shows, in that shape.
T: 12:37
